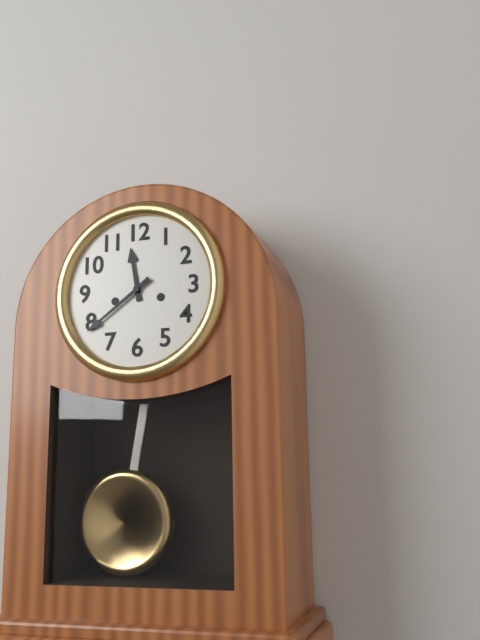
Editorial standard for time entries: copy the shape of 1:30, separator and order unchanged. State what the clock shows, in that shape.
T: 11:39
